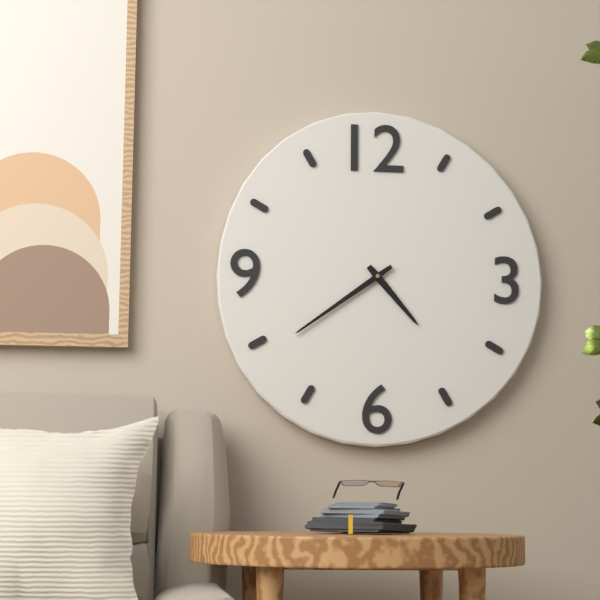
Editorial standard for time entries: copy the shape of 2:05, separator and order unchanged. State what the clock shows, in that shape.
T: 4:39
